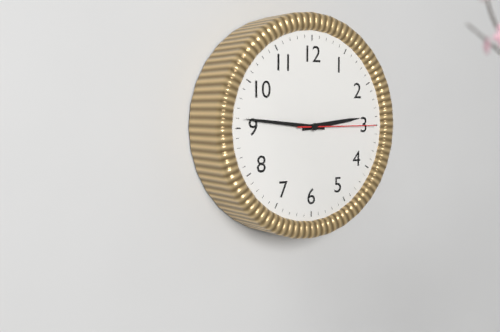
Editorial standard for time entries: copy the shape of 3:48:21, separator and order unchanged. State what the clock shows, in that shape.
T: 2:46:15
